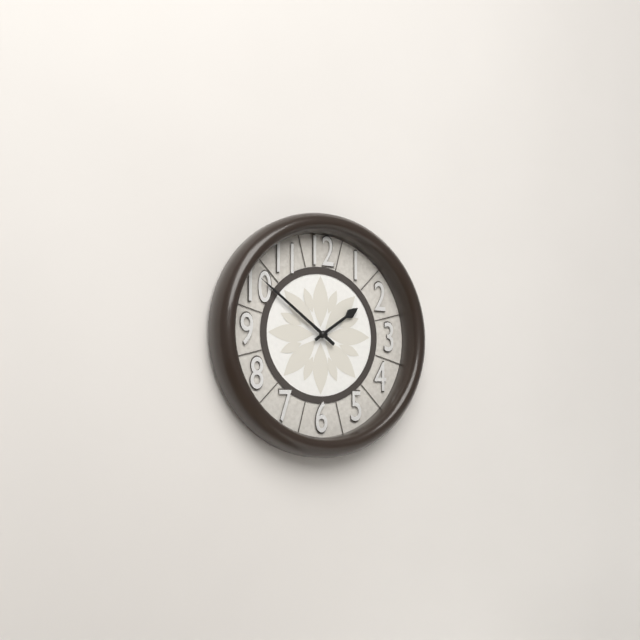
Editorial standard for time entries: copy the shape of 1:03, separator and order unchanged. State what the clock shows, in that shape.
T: 1:51
